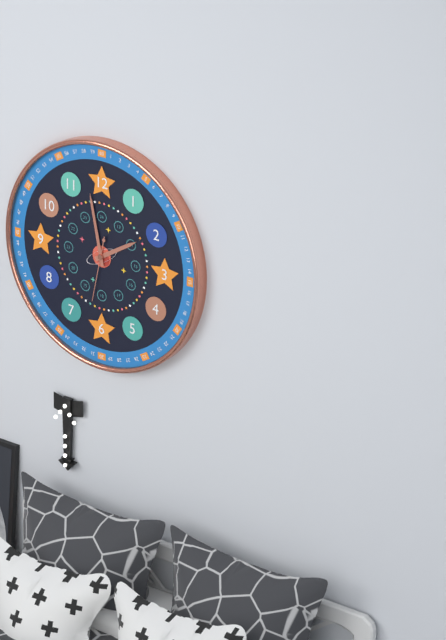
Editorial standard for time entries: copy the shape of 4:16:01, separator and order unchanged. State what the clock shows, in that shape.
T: 1:58:32
